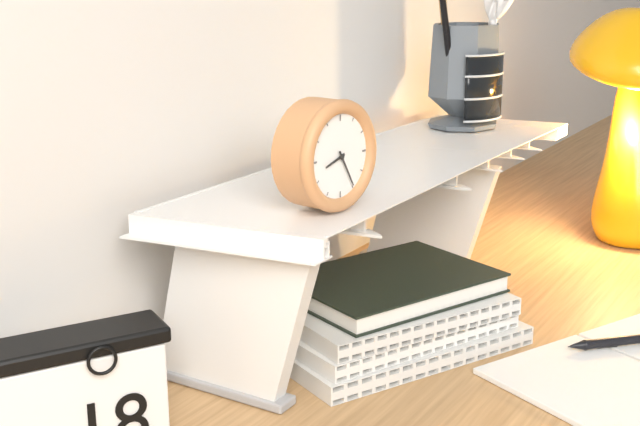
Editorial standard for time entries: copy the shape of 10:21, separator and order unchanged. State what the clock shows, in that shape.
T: 8:25
